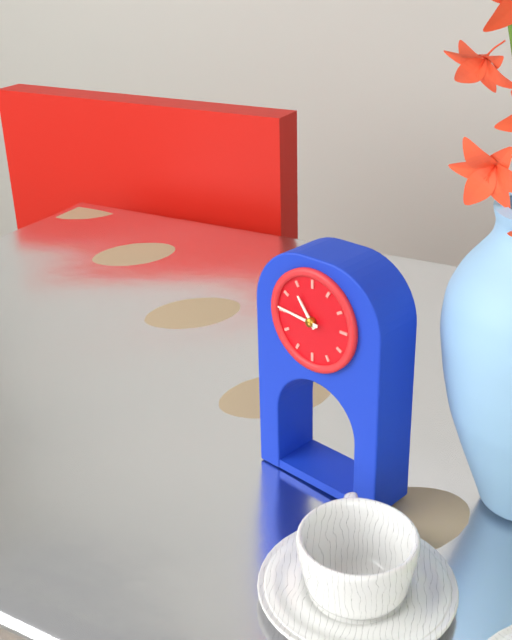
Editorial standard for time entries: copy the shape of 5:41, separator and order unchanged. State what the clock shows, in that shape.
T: 10:46
